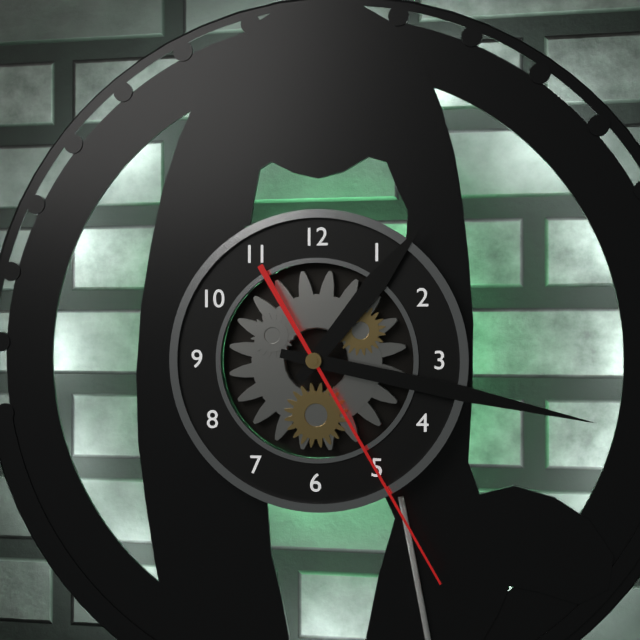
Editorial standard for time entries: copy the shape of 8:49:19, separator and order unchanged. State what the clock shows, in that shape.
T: 1:17:25
